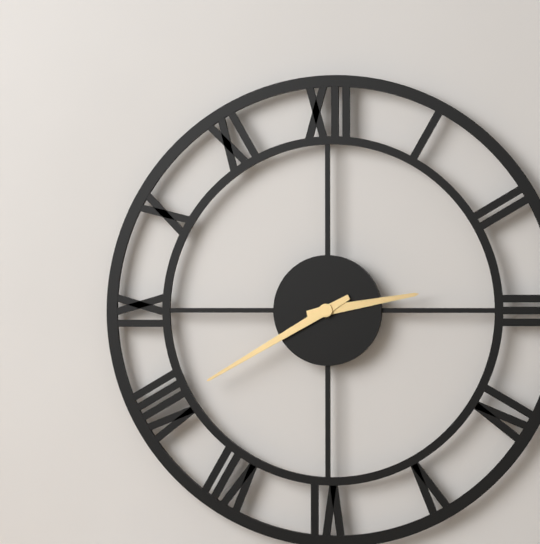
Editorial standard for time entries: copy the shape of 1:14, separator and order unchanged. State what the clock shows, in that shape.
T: 2:40
